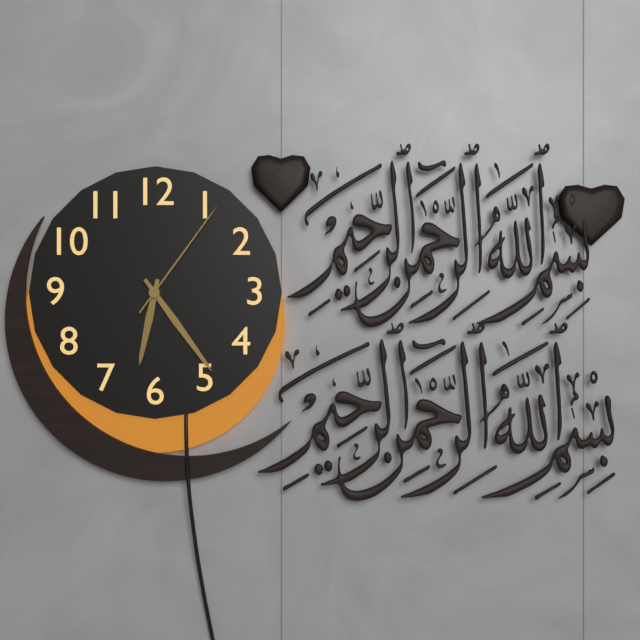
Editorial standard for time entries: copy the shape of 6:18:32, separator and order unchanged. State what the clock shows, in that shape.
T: 6:24:06
